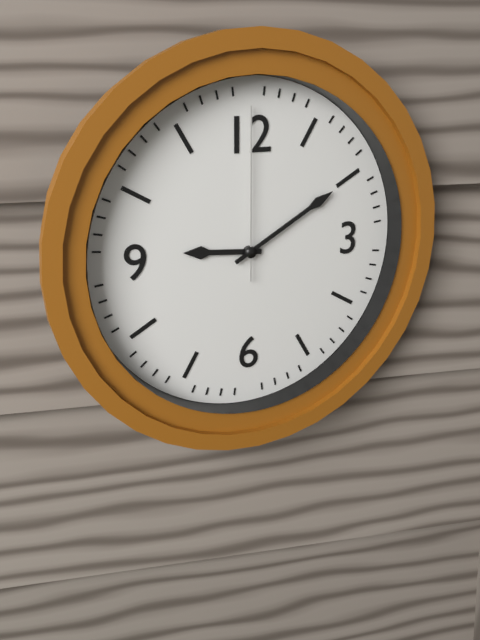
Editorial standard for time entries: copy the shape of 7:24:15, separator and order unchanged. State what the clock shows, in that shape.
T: 9:10:00
